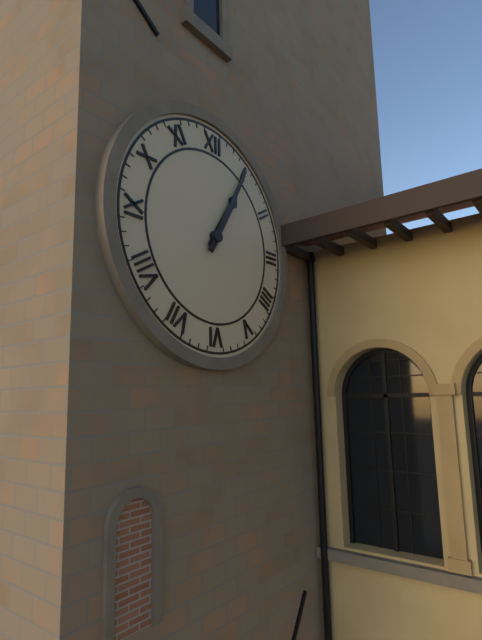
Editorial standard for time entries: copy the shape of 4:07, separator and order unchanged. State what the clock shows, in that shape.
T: 1:05
